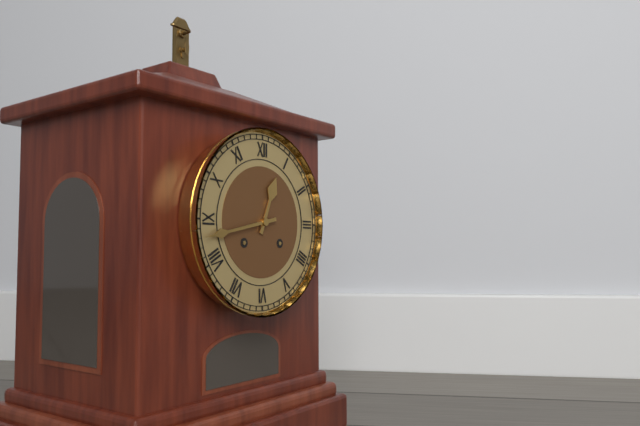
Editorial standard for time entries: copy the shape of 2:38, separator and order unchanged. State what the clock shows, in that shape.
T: 12:43
